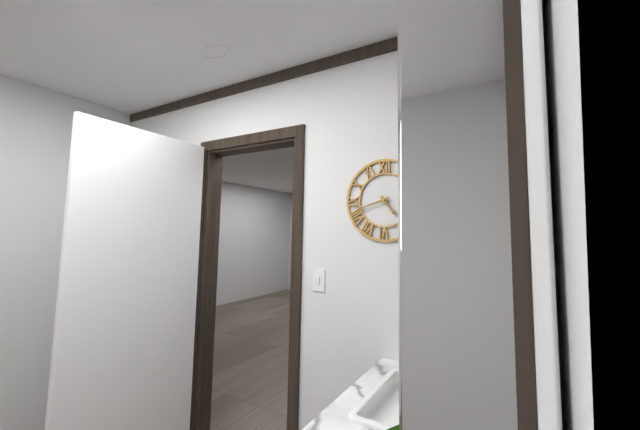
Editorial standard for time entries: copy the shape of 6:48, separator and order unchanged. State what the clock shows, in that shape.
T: 4:42
